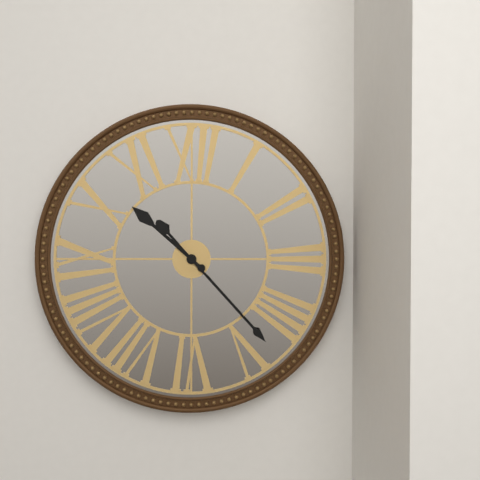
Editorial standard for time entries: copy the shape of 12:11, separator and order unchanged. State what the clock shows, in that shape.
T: 10:23
